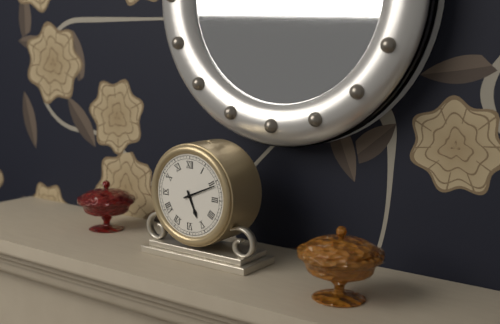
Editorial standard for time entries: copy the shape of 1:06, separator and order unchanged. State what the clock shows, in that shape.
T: 5:11
